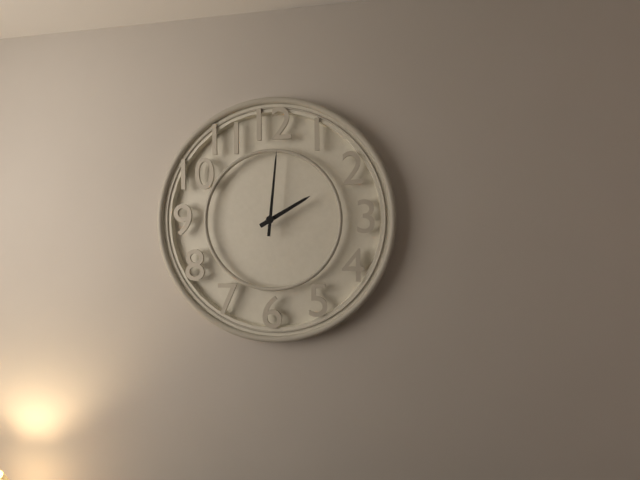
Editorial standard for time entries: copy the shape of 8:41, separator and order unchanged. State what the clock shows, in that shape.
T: 2:01
